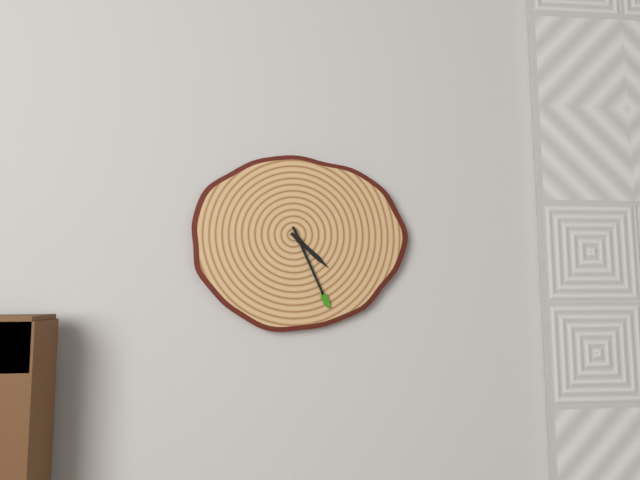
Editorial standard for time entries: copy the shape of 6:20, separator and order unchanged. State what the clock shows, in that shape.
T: 4:26
